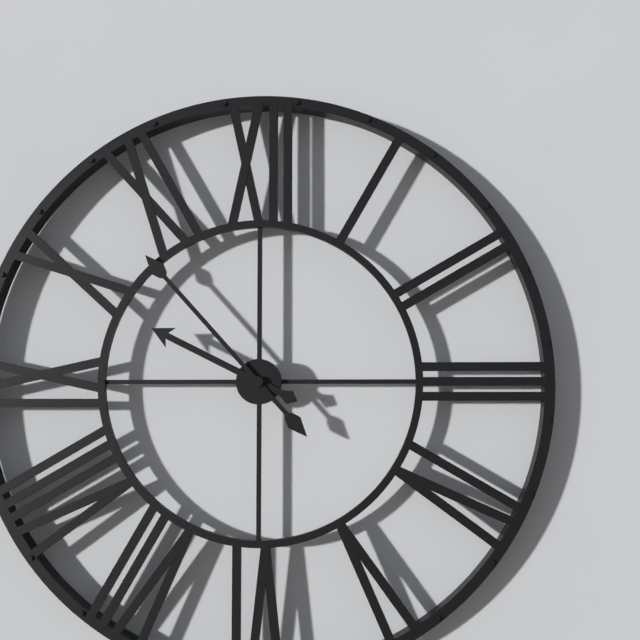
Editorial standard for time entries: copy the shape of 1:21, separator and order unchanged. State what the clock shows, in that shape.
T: 9:53
